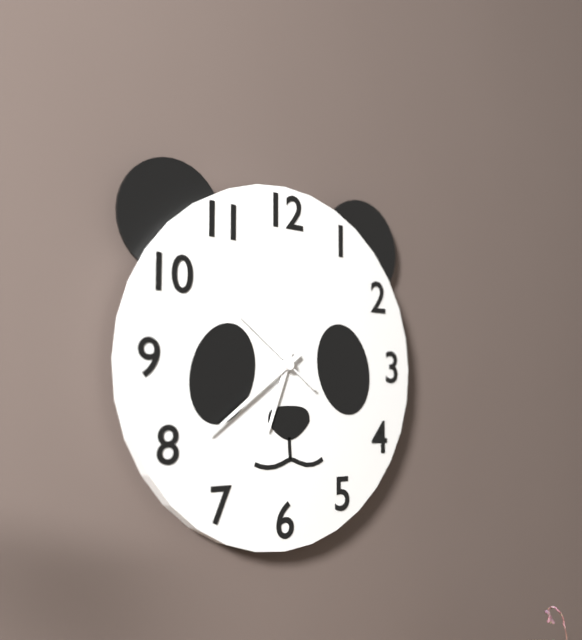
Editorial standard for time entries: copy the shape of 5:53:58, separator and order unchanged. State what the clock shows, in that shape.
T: 6:39:51
